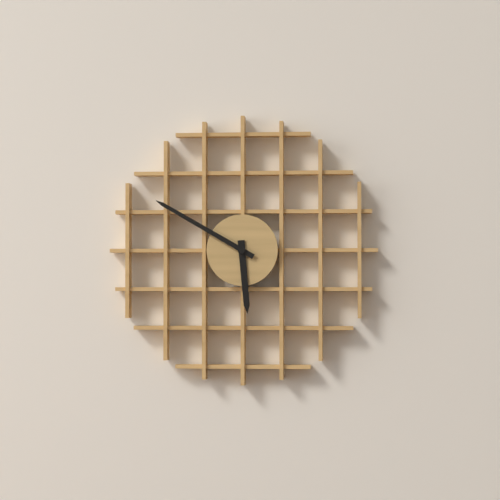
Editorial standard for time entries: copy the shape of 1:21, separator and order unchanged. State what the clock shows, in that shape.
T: 5:50
